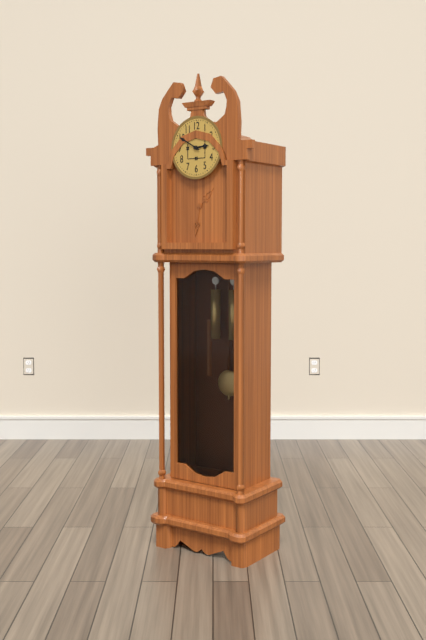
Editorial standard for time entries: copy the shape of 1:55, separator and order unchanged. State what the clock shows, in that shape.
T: 2:50
